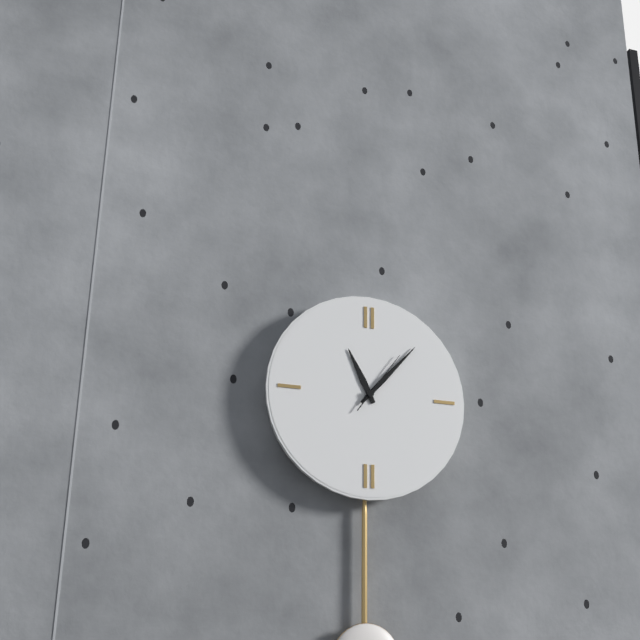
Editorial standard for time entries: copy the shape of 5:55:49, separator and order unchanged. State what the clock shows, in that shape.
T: 11:07:06
